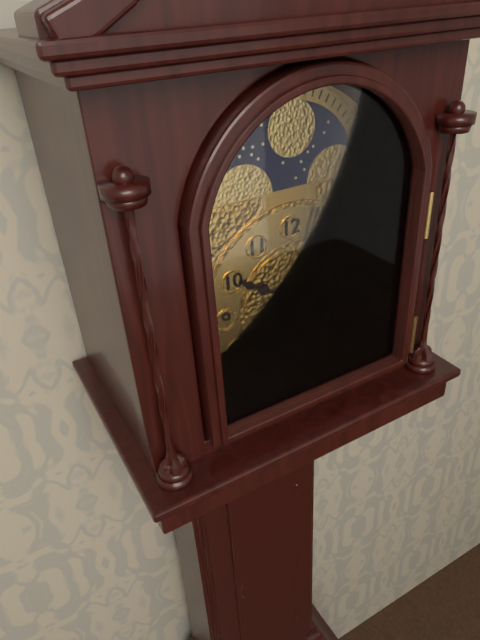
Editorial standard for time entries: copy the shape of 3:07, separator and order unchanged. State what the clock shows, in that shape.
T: 10:03
